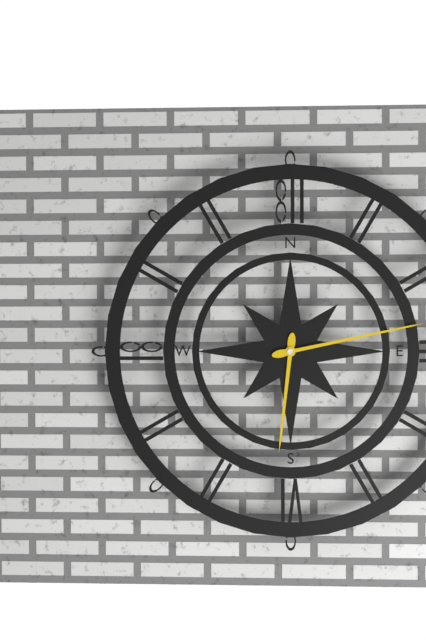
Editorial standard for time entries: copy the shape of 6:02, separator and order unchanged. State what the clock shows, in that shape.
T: 6:13
